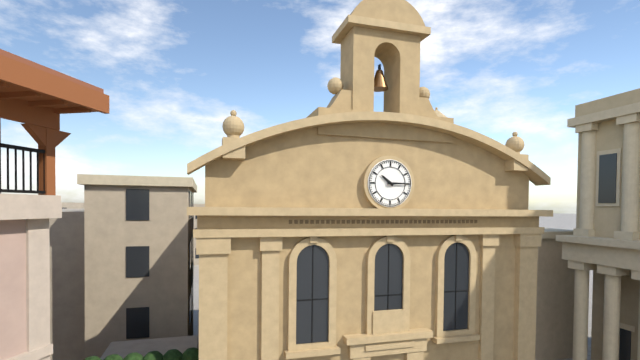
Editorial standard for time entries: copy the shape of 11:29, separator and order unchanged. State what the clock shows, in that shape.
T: 10:15
